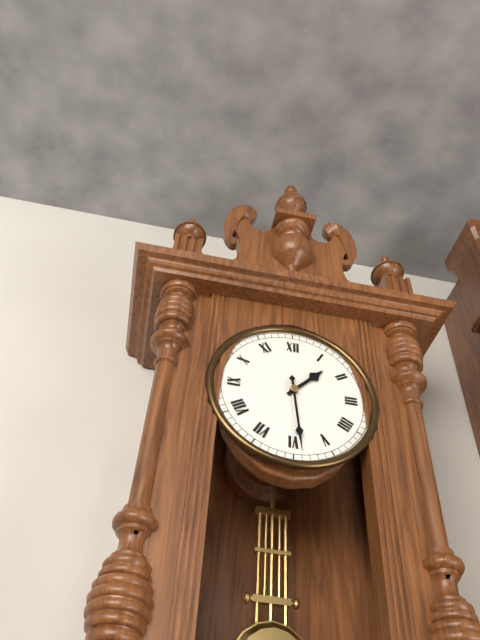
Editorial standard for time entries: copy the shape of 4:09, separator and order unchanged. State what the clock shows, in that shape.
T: 1:29
